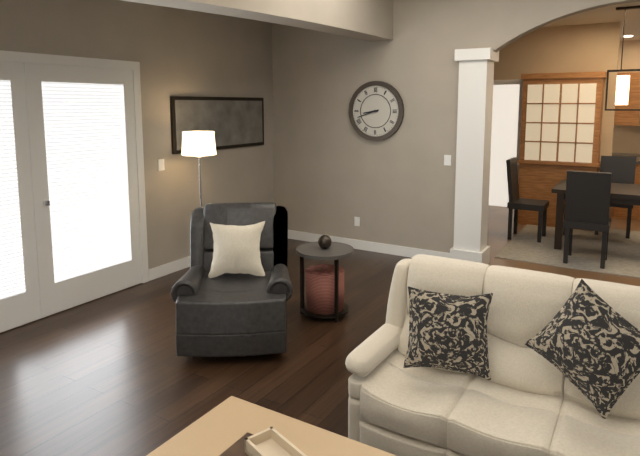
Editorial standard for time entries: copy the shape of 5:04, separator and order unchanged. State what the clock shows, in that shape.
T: 8:42
